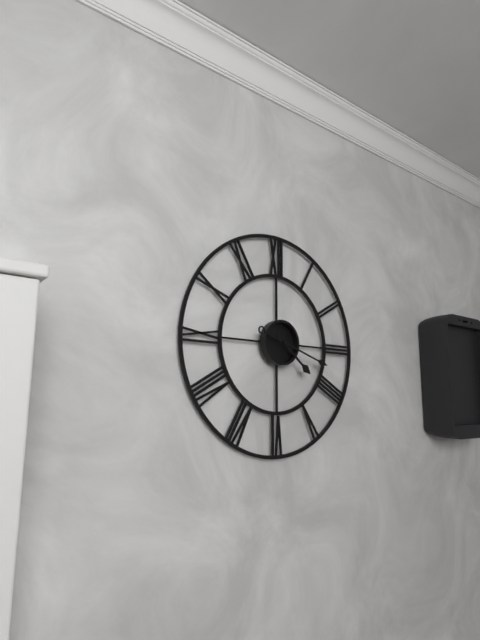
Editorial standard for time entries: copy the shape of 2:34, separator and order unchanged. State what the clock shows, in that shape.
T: 4:18
